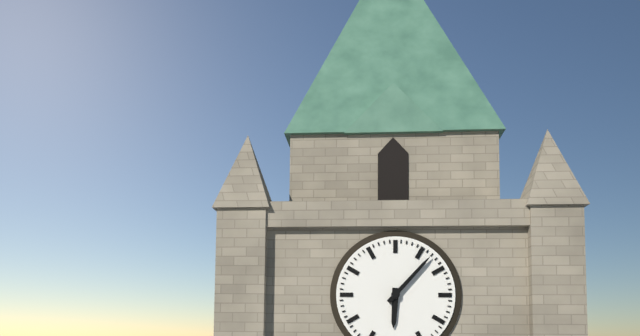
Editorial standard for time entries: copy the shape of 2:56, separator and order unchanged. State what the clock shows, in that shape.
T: 6:07
